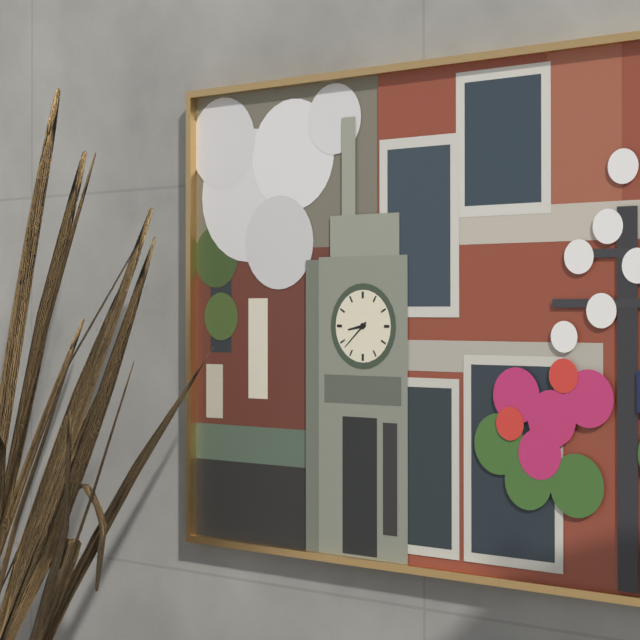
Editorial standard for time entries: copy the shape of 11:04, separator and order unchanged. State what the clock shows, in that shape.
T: 8:38
